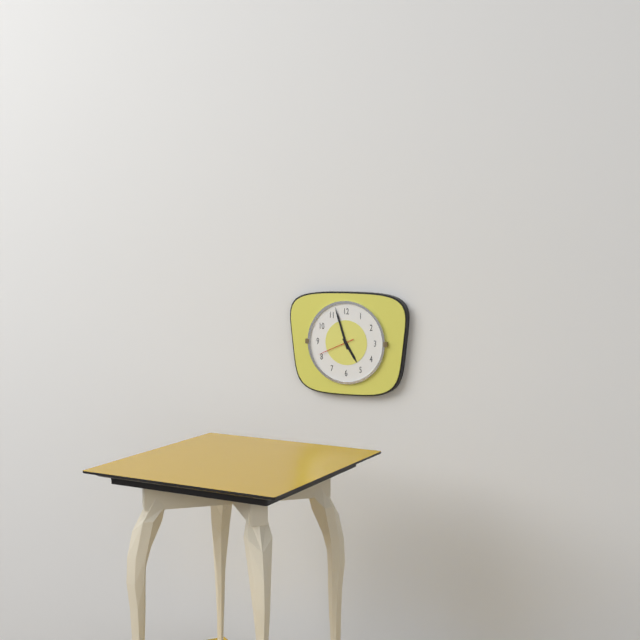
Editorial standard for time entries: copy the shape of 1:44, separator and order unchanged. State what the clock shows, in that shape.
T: 4:57
